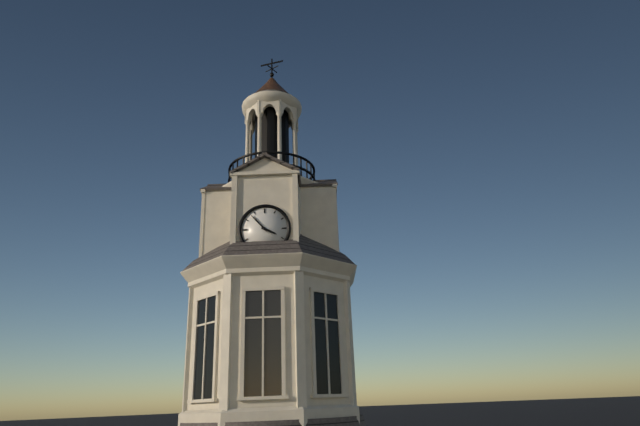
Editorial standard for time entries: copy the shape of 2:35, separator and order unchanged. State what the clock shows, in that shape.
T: 3:53
